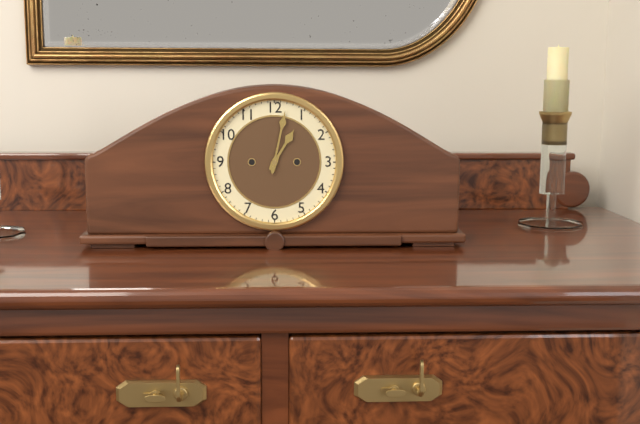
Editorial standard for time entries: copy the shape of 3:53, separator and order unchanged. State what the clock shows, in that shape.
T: 1:02
